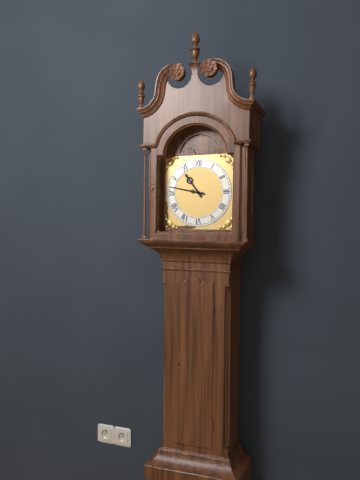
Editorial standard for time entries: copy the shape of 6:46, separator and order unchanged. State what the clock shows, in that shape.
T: 10:47
